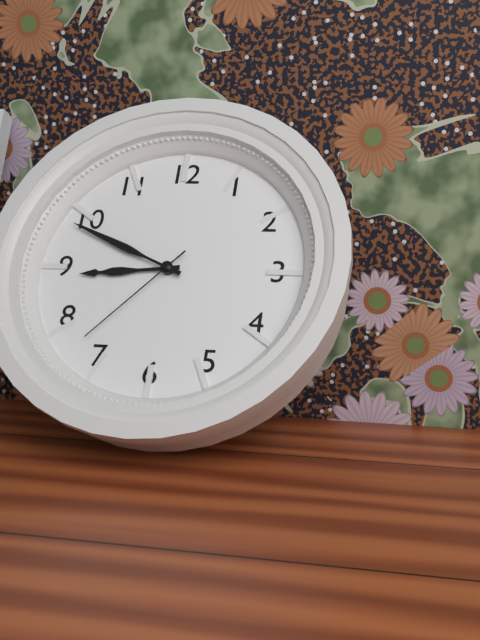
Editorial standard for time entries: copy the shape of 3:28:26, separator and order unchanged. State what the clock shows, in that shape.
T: 8:49:37
